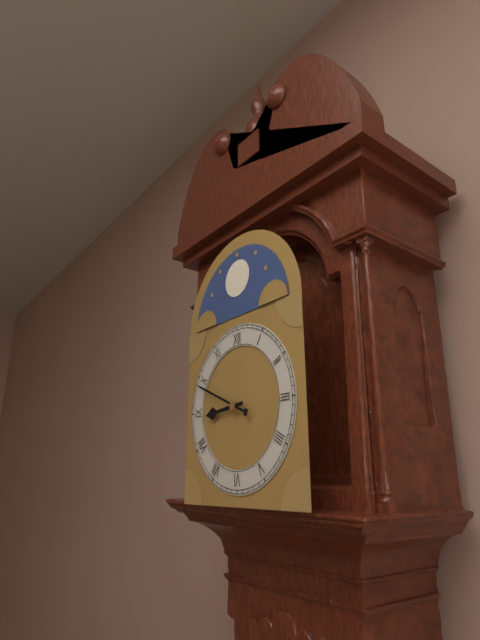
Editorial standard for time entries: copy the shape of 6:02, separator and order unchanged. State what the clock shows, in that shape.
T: 8:49
